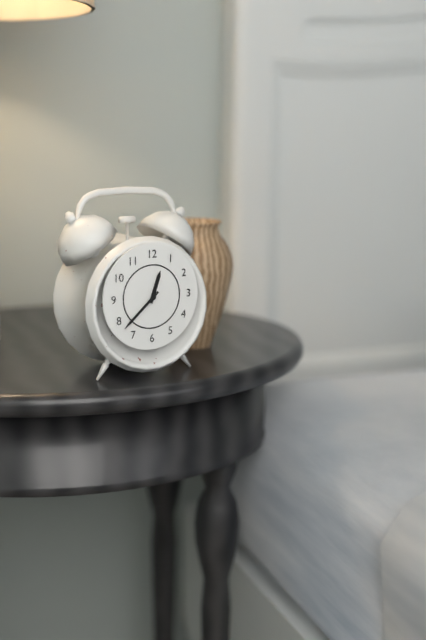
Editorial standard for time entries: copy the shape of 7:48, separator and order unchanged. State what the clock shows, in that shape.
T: 12:38
